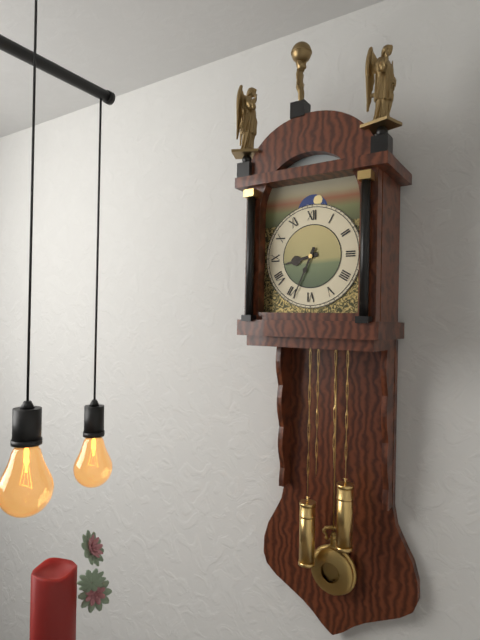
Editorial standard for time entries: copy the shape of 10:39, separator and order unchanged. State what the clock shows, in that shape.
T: 8:34
